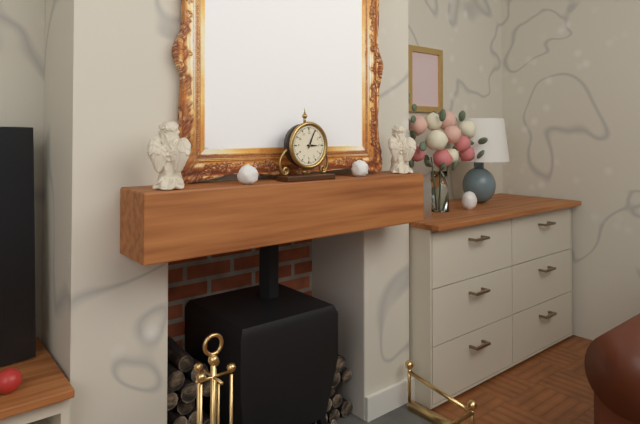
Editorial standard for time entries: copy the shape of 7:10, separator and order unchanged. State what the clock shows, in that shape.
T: 3:04
